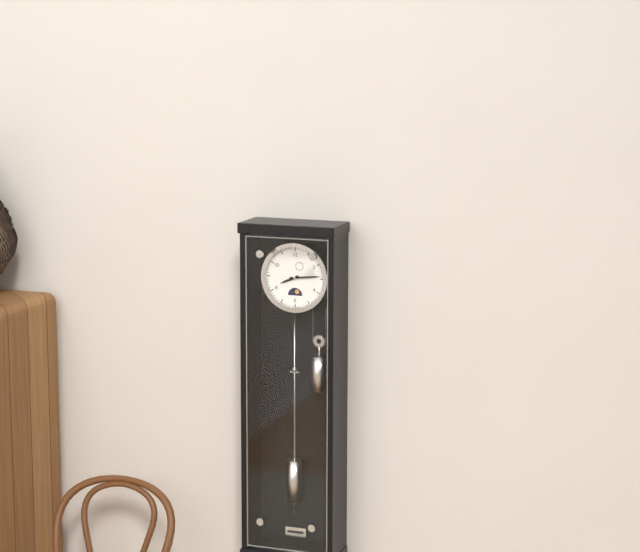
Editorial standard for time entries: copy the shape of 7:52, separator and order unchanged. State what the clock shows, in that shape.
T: 8:14
